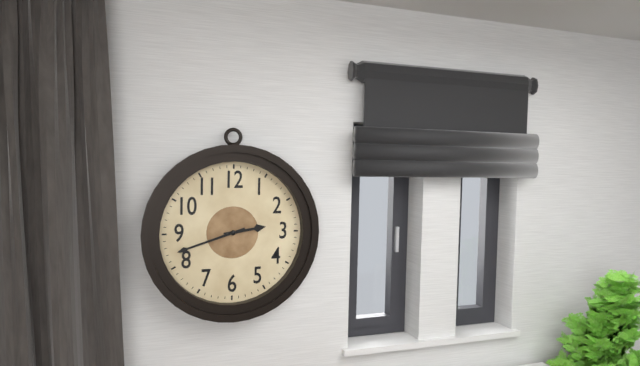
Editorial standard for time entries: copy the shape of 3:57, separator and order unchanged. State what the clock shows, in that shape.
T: 2:42
